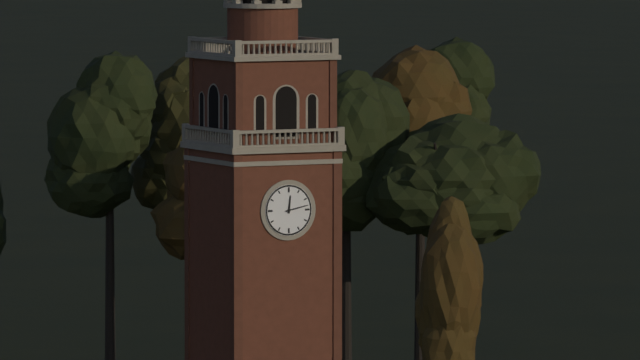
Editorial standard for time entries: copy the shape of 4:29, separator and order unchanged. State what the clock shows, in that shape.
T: 12:13
